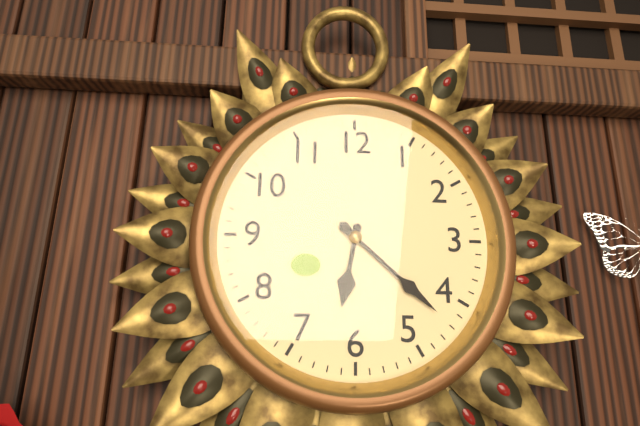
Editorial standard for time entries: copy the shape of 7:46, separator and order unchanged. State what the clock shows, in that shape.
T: 6:22
